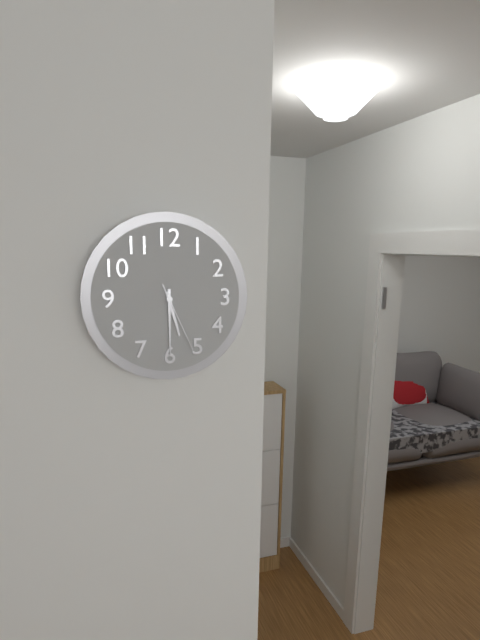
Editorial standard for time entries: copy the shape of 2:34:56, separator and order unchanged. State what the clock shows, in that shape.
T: 5:30:26
